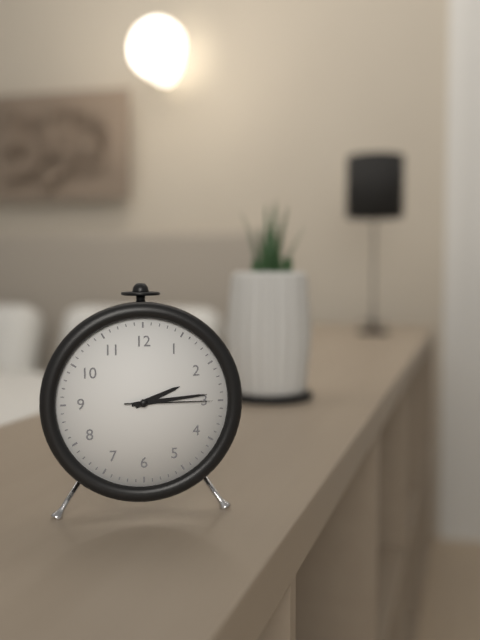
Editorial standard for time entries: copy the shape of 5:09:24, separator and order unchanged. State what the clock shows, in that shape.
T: 2:14:15
